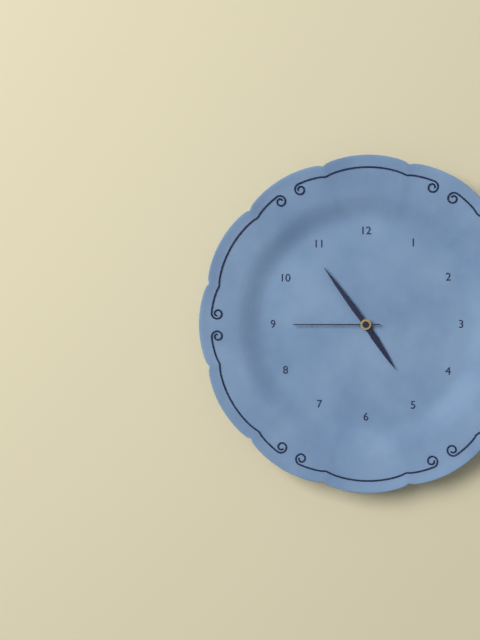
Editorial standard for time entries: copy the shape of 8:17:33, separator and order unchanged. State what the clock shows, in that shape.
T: 4:54:45
